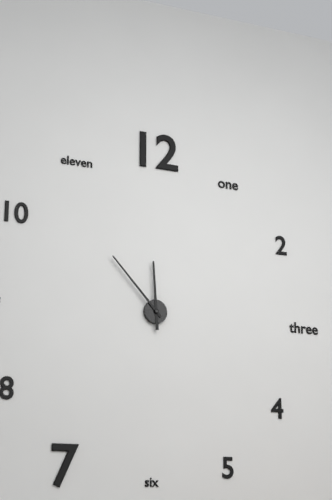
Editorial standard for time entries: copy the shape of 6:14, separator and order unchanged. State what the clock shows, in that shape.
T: 11:53
